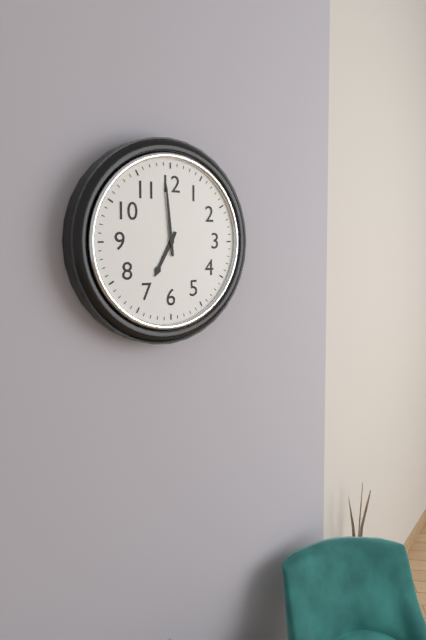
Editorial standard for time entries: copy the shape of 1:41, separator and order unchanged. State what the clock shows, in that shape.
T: 6:59
